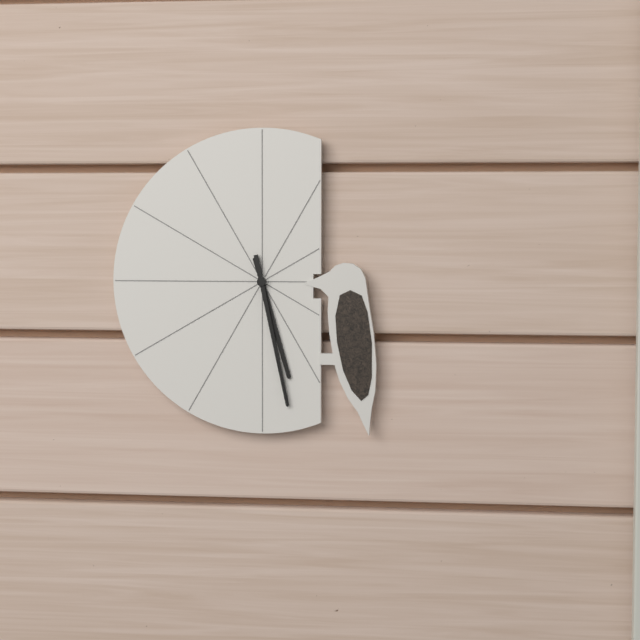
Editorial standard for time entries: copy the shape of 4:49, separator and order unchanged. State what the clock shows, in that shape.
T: 5:28
